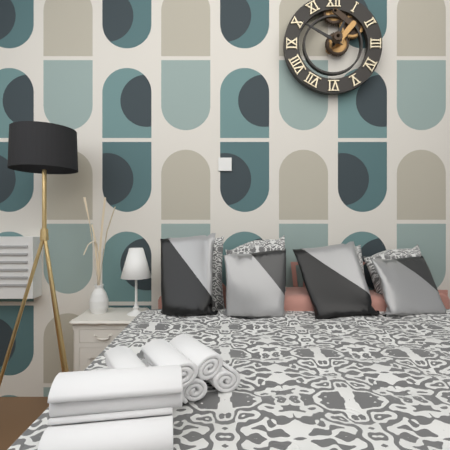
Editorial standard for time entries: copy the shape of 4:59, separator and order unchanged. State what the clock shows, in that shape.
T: 12:50
